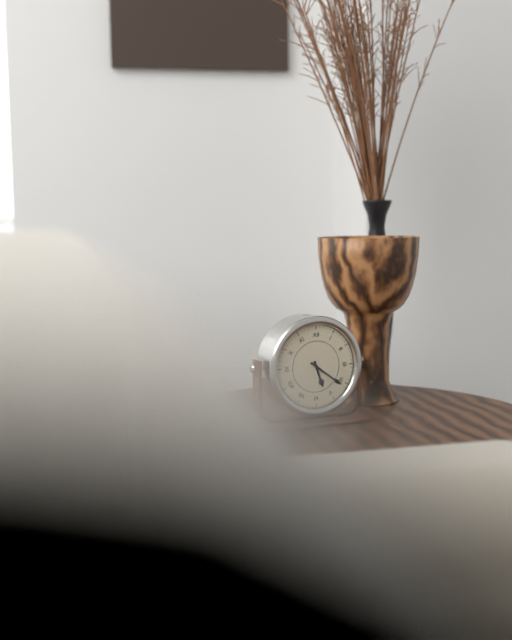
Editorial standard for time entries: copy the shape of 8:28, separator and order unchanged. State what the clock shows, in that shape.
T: 5:21
